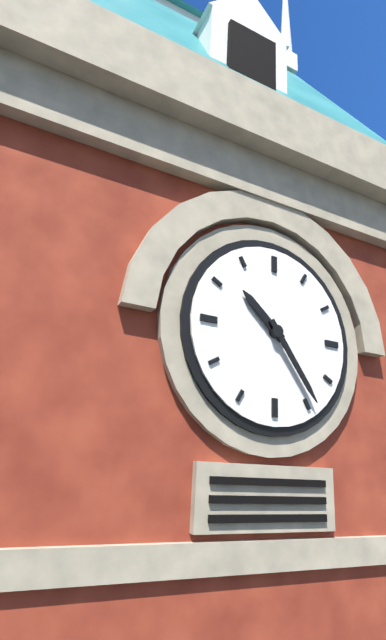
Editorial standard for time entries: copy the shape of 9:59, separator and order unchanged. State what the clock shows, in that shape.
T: 10:24
